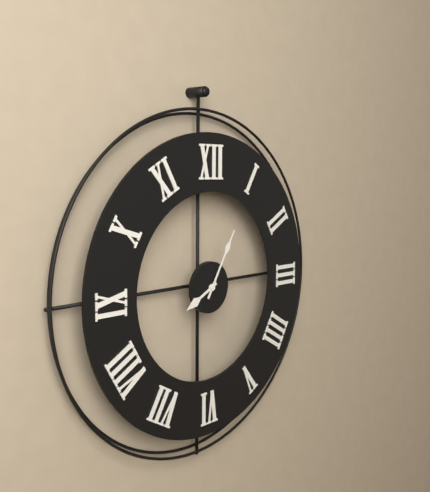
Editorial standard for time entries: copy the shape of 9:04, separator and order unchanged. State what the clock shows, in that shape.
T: 8:05
